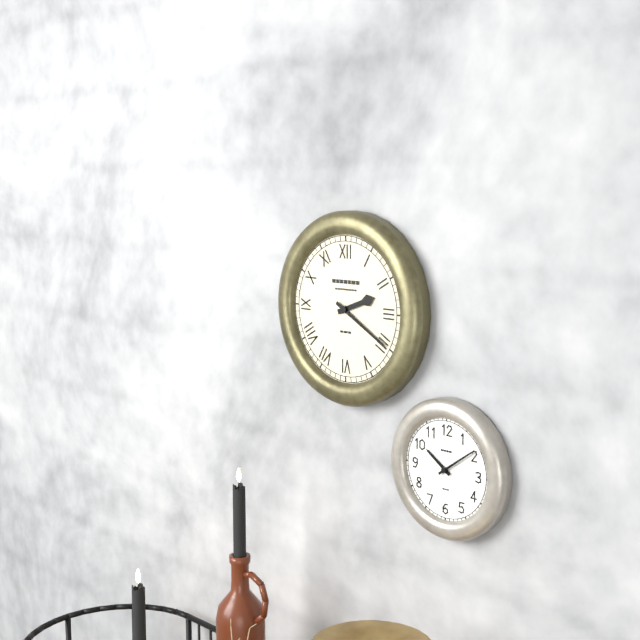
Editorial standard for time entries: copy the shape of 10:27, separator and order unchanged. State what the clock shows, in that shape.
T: 2:20
